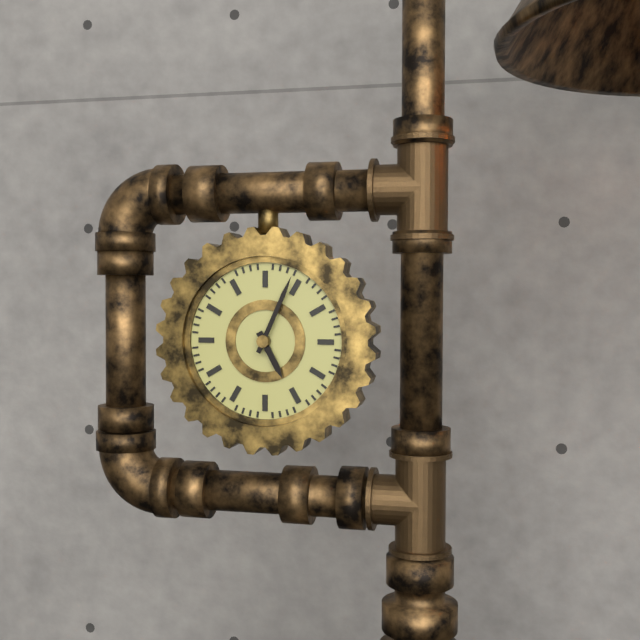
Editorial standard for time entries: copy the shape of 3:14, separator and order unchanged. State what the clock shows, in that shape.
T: 5:04
